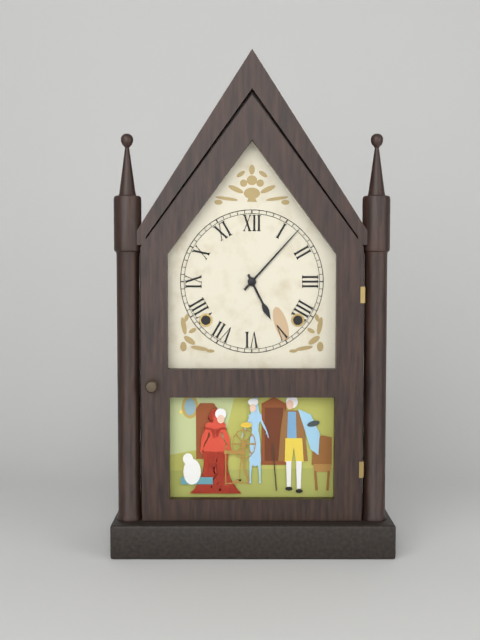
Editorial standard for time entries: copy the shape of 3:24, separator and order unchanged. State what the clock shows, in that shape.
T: 5:07
